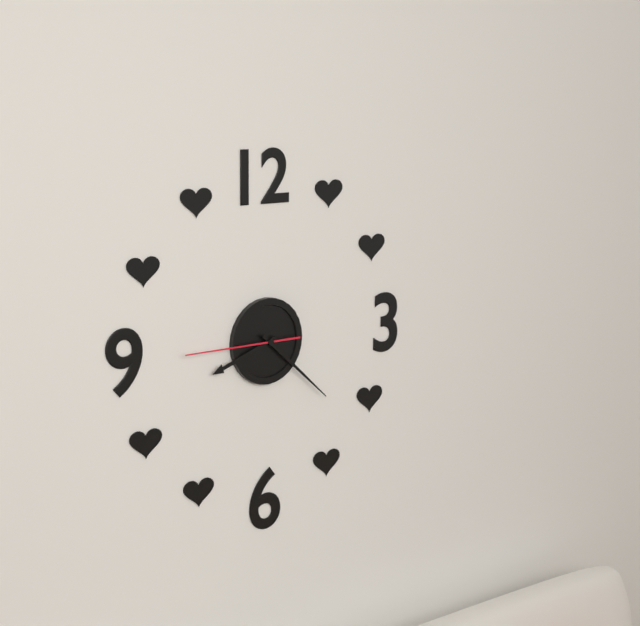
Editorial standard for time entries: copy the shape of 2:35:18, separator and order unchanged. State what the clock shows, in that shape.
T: 8:22:45
